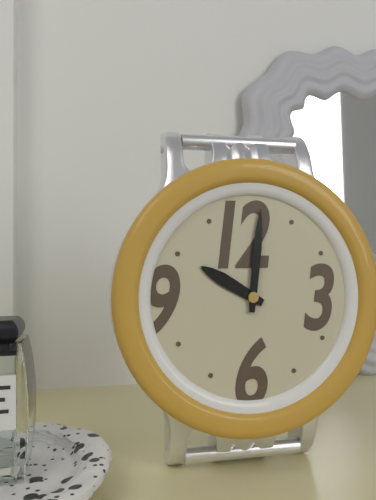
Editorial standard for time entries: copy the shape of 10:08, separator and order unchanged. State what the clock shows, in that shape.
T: 10:01
